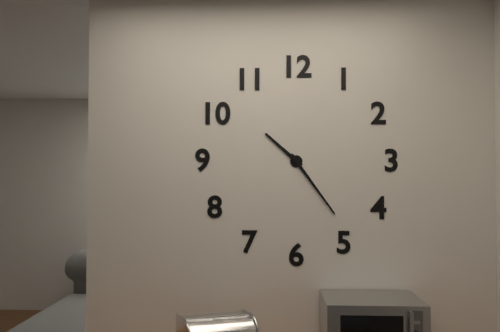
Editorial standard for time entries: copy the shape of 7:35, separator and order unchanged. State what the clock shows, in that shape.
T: 10:24
